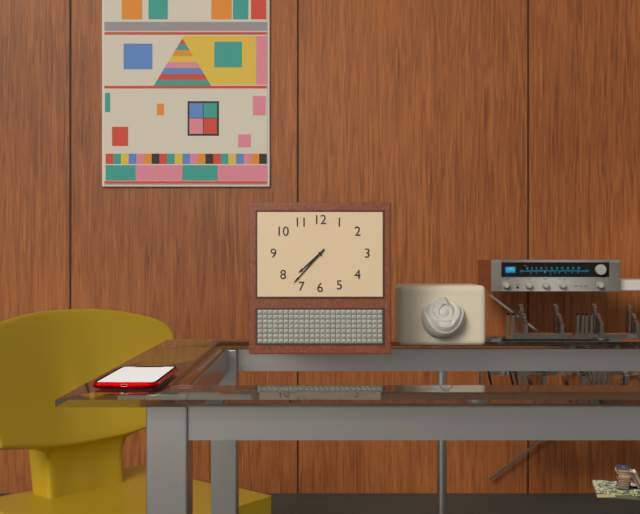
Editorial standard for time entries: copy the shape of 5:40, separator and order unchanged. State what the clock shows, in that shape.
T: 7:37
